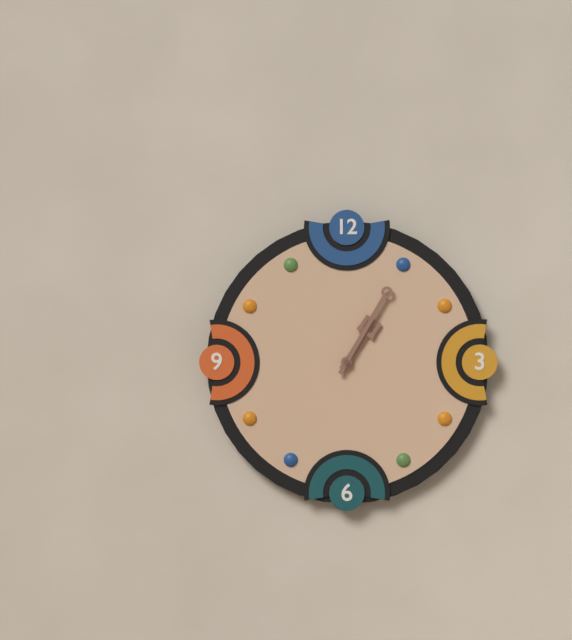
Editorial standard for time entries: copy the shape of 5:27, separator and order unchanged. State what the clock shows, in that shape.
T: 1:05
